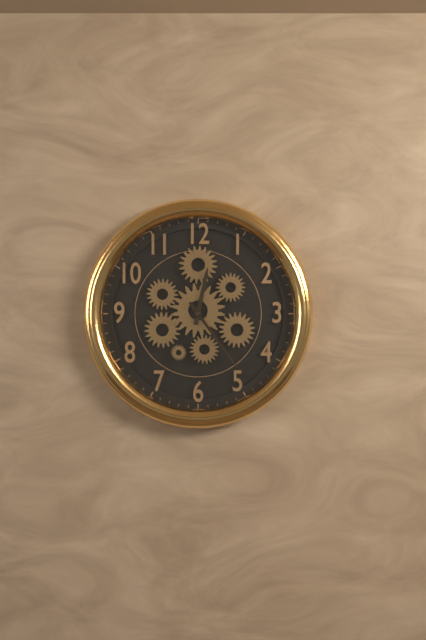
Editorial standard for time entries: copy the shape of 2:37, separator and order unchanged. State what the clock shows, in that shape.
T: 12:24
